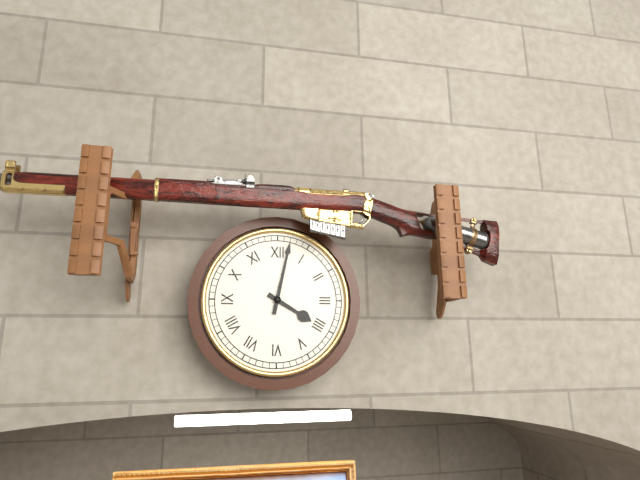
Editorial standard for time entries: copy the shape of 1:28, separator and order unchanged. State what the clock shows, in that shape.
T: 4:02
